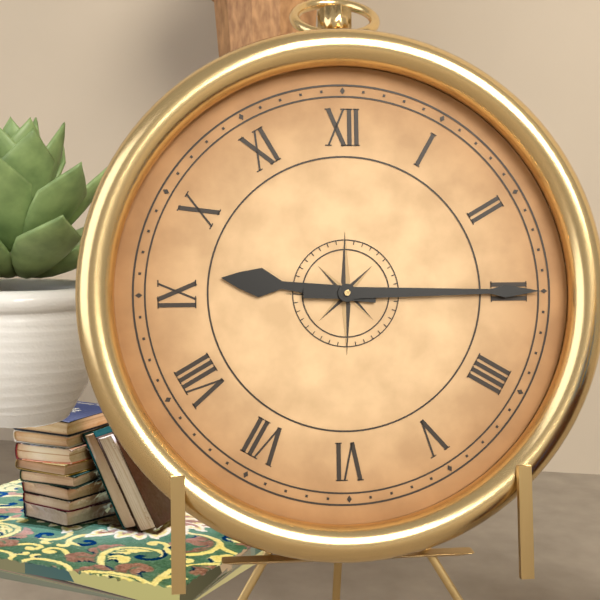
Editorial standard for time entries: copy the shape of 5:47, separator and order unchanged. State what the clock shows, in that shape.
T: 9:15
